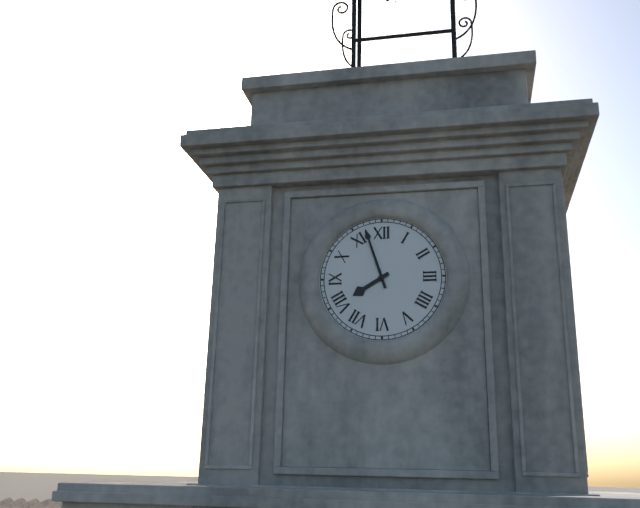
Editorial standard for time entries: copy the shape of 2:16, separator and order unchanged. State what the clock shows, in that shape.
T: 7:57
